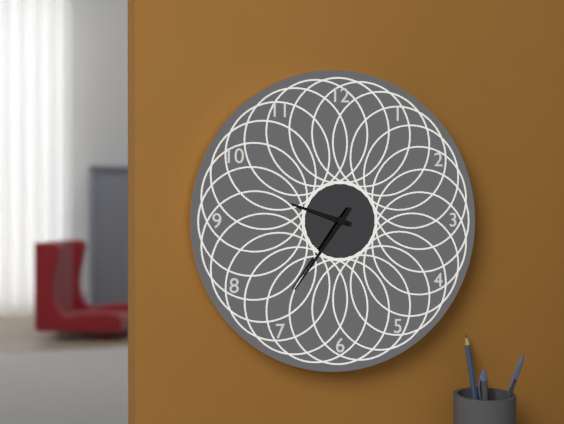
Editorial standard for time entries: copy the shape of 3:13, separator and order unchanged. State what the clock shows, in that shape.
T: 9:36
